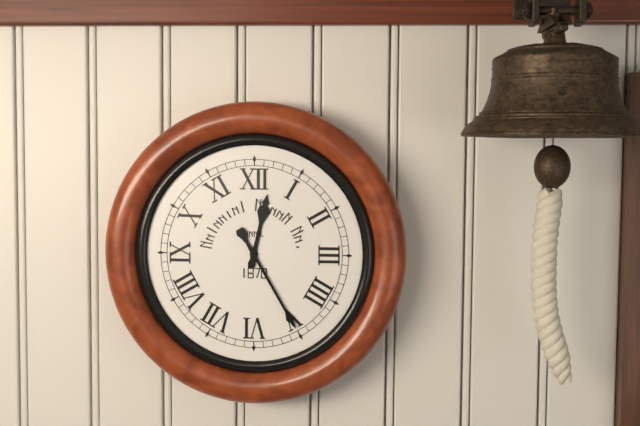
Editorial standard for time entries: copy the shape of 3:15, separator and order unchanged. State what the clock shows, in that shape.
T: 12:25
